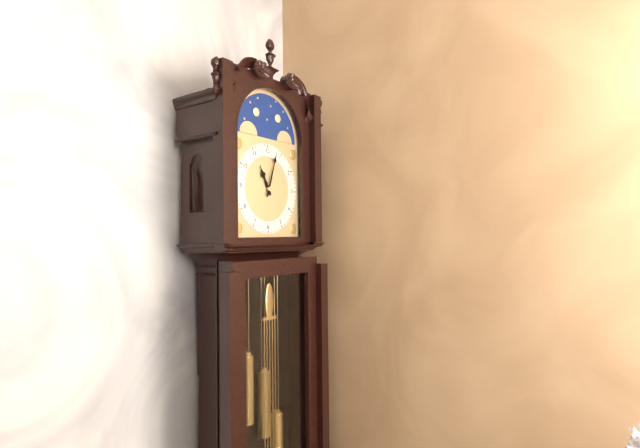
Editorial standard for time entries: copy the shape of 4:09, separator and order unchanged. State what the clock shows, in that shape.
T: 11:03
